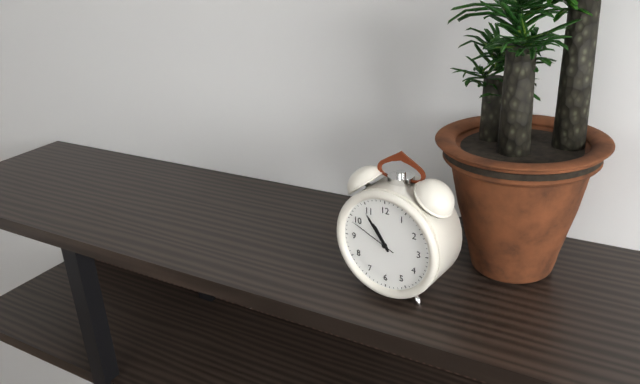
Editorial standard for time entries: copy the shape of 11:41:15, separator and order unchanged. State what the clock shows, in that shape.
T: 10:54:49
